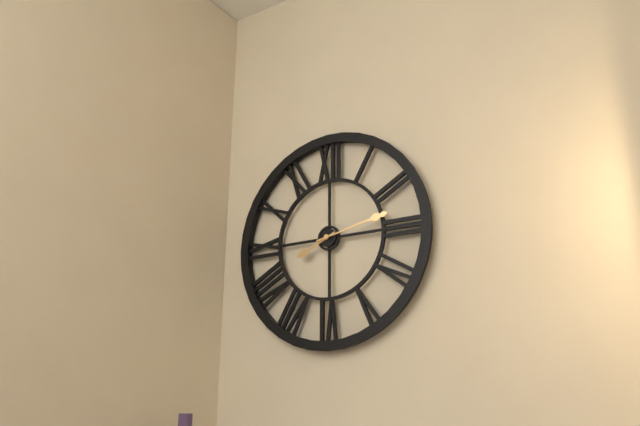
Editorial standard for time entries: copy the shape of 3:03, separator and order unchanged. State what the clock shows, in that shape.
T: 8:13
